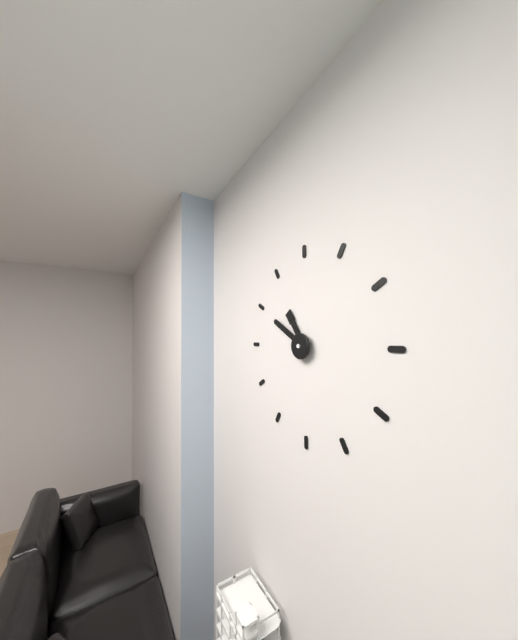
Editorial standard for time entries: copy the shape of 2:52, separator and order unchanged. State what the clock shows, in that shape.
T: 10:50
